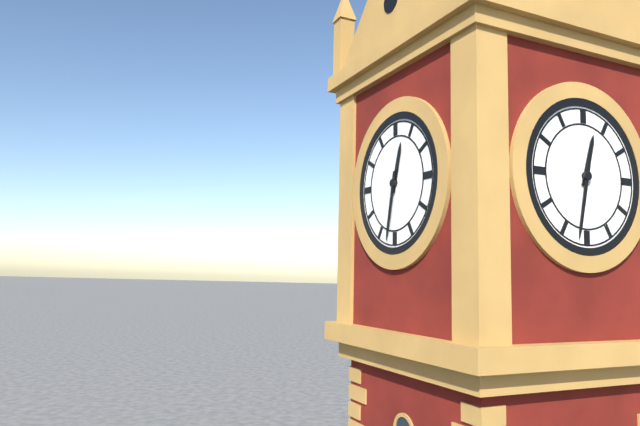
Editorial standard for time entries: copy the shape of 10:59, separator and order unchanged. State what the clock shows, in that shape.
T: 12:32
